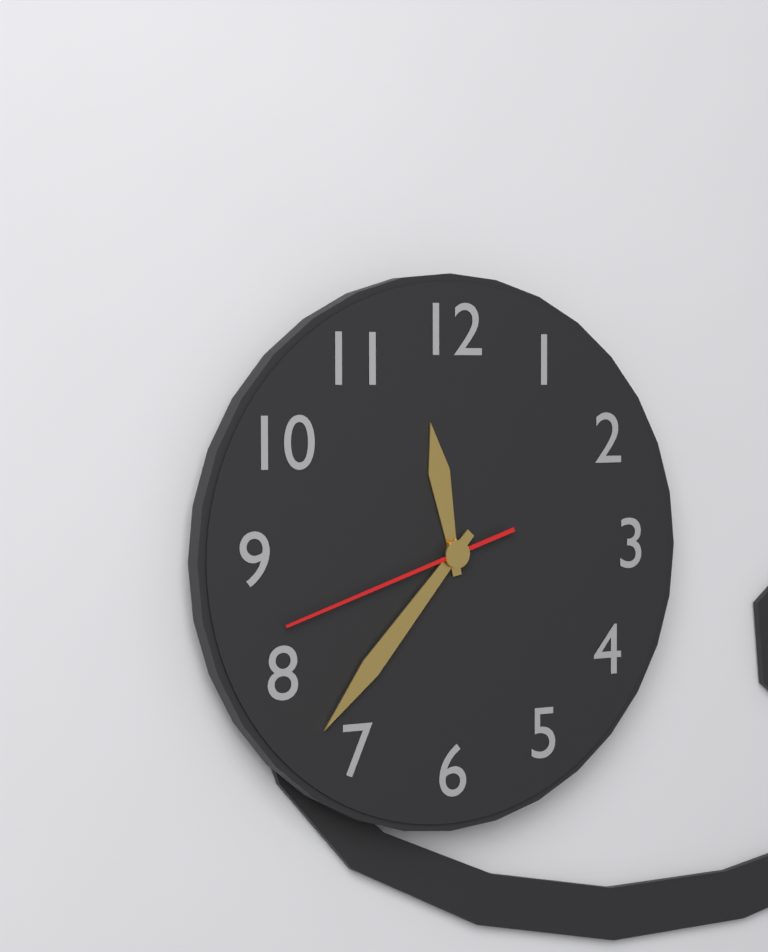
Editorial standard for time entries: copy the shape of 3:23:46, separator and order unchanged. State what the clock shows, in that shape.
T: 11:37:42
